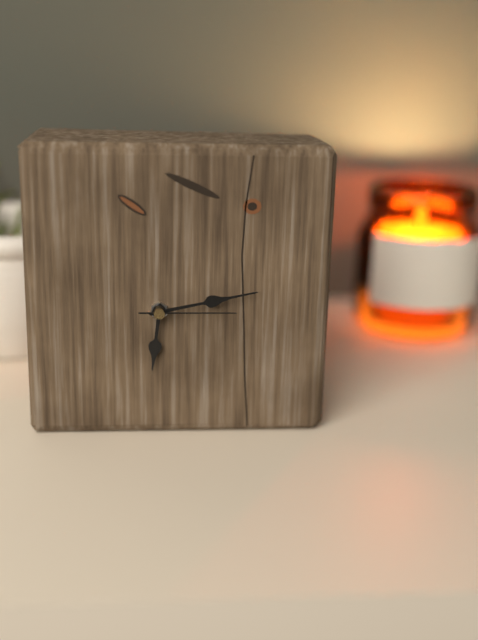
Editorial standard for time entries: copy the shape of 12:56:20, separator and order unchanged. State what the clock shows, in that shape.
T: 6:13:15
